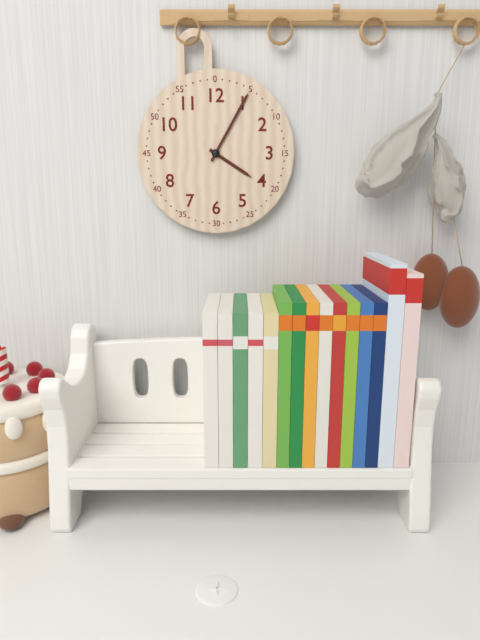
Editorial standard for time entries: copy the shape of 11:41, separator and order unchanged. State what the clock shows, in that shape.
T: 4:05
